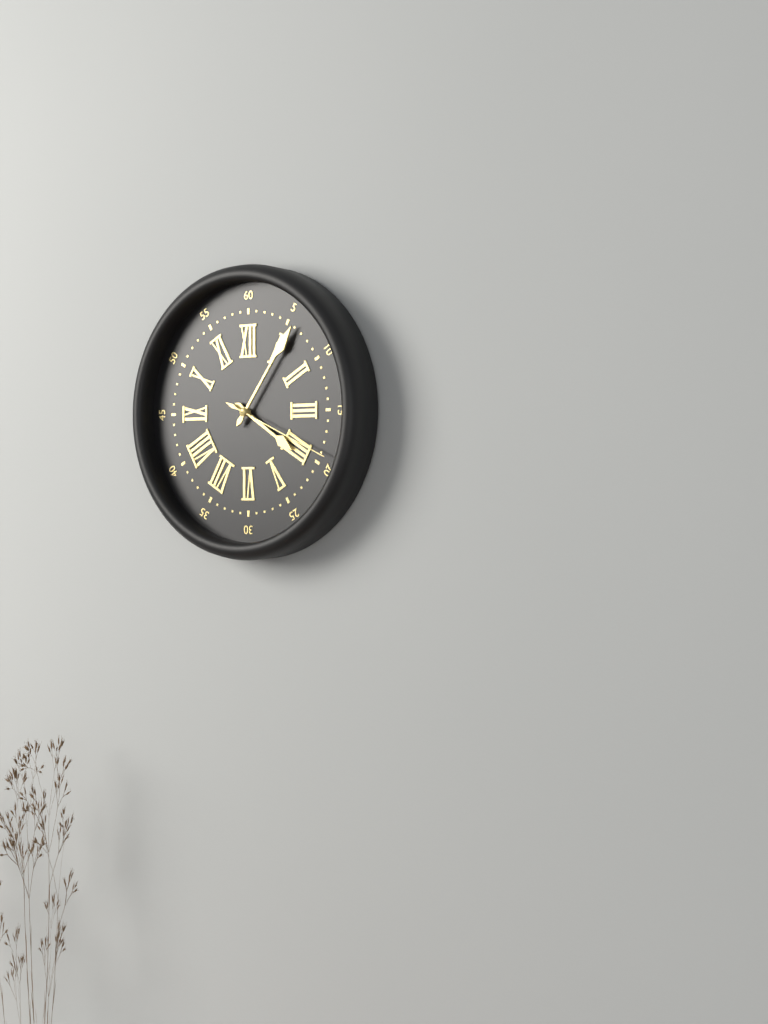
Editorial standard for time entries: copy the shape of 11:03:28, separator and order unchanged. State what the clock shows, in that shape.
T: 4:06:19
